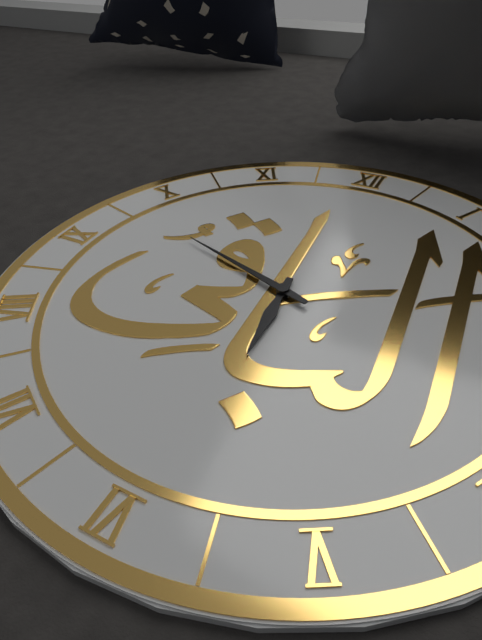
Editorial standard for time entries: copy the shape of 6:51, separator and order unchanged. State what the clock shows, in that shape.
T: 5:48
